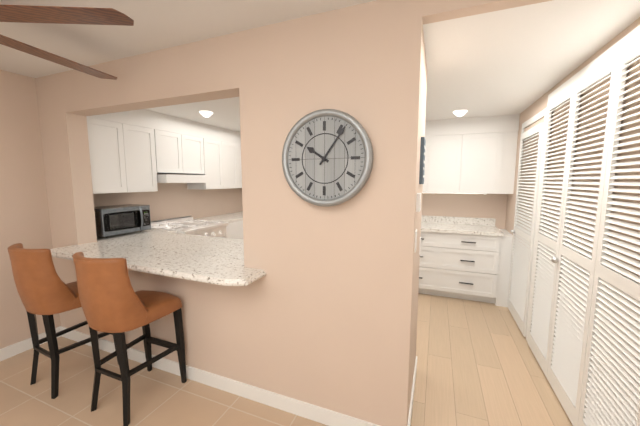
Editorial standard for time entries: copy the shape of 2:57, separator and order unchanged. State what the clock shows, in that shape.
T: 10:06
